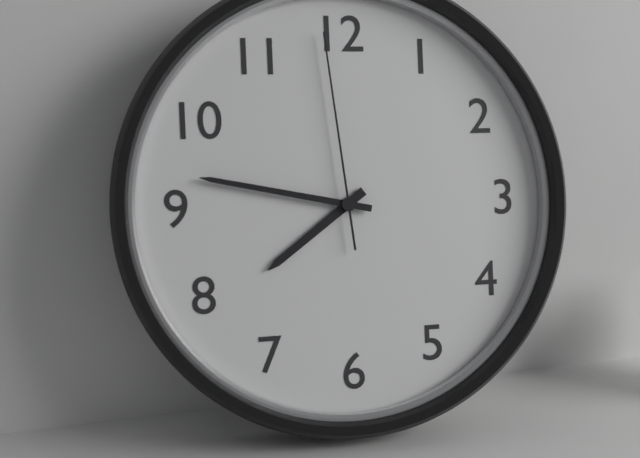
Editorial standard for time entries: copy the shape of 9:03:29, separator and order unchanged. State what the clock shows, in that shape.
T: 7:47:59
